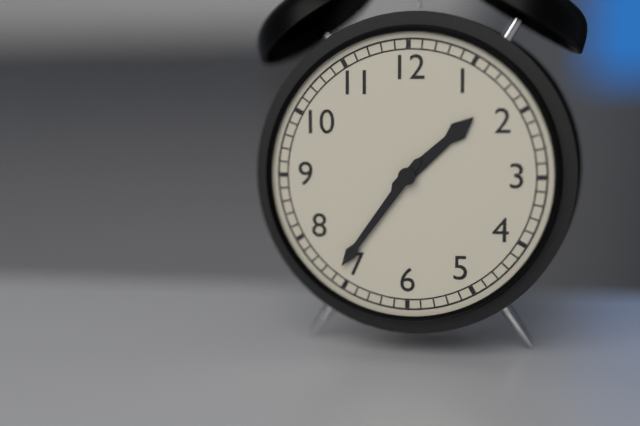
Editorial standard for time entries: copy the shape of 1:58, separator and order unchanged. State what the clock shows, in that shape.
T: 1:36
